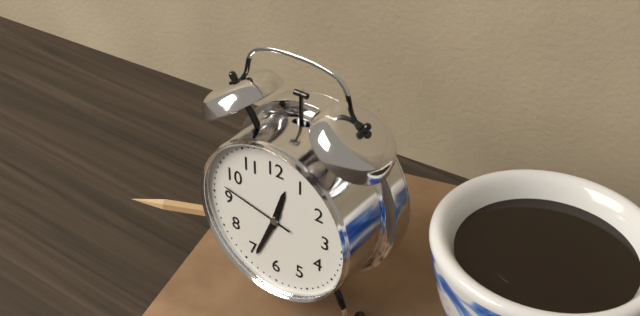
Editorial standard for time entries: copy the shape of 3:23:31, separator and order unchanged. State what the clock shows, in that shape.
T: 12:34:47
